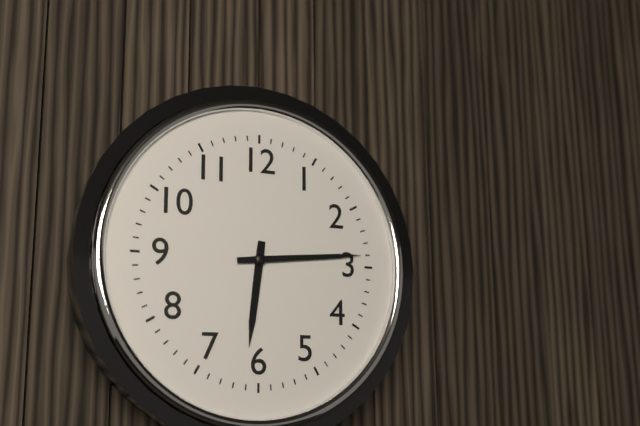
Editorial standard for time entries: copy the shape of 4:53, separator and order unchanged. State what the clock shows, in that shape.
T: 6:14
